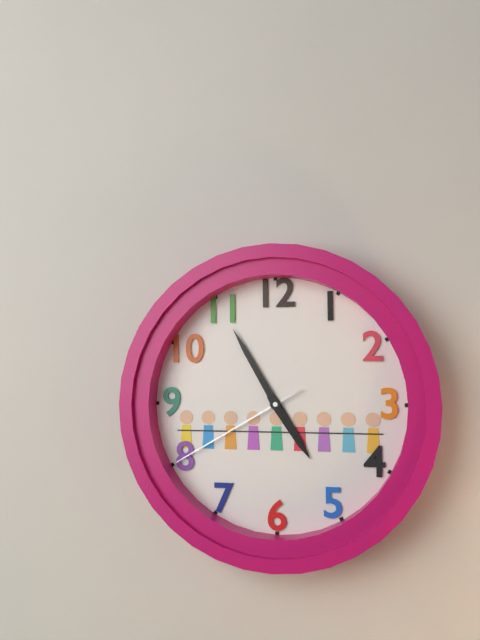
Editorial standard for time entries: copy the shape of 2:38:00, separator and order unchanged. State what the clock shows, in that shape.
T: 4:55:40
